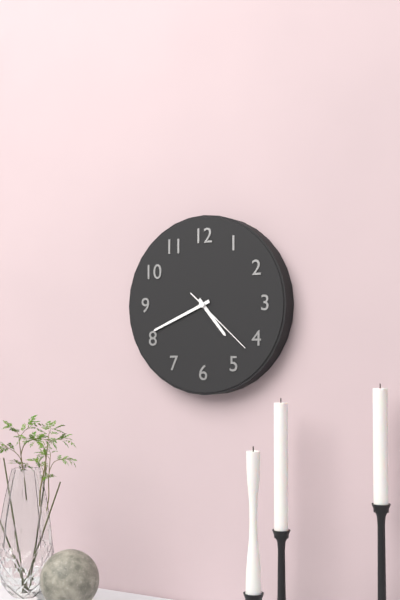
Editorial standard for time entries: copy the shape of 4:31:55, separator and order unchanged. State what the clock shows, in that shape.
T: 4:41:22
